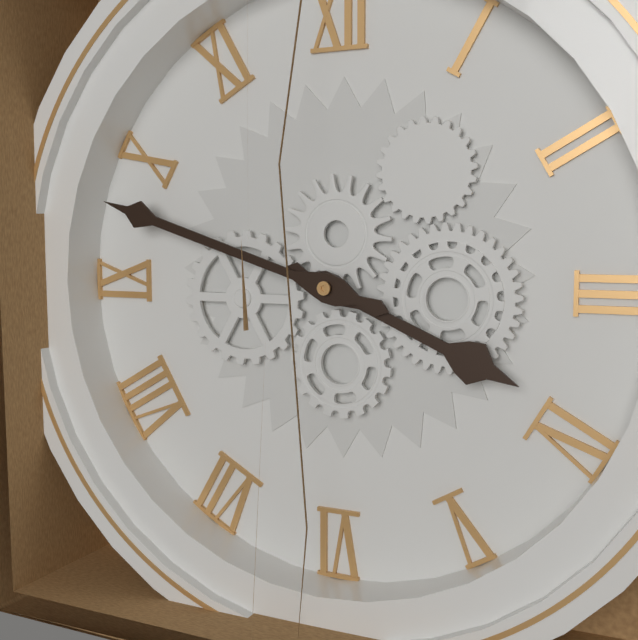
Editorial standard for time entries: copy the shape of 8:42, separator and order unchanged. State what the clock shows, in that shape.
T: 3:48
